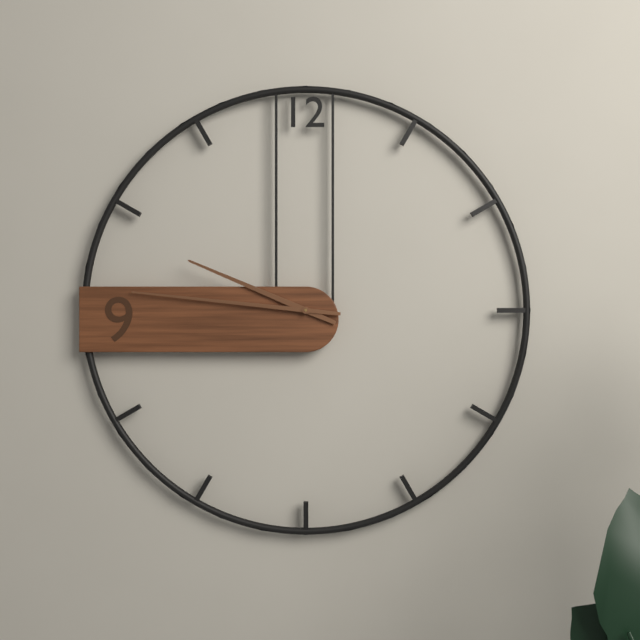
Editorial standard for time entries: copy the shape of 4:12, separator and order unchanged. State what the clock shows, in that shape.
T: 9:46
